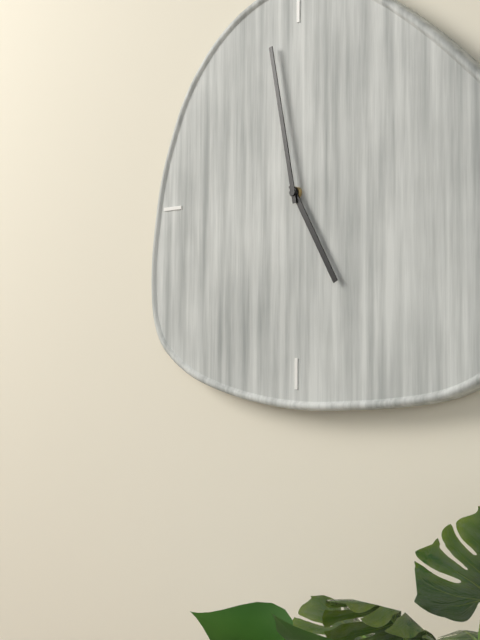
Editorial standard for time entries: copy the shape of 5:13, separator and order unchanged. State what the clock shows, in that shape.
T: 4:58
